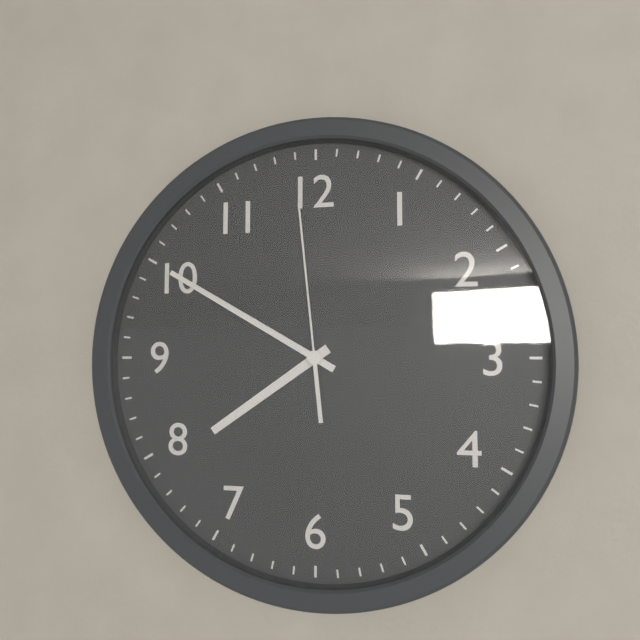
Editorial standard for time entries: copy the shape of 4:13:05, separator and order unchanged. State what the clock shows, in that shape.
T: 7:50:59
